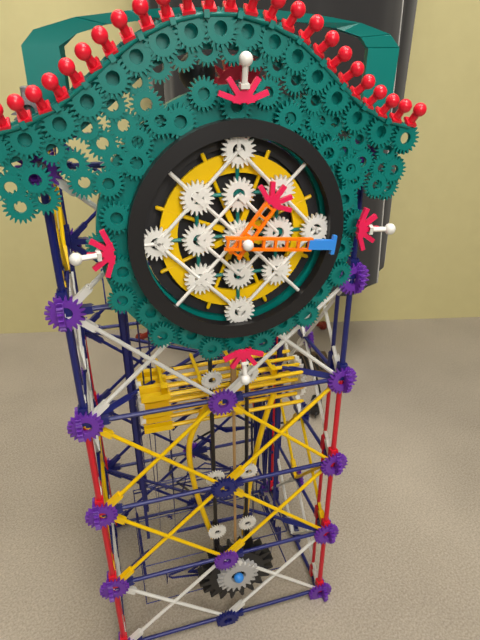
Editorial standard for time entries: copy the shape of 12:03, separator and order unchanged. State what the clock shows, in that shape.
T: 1:16
